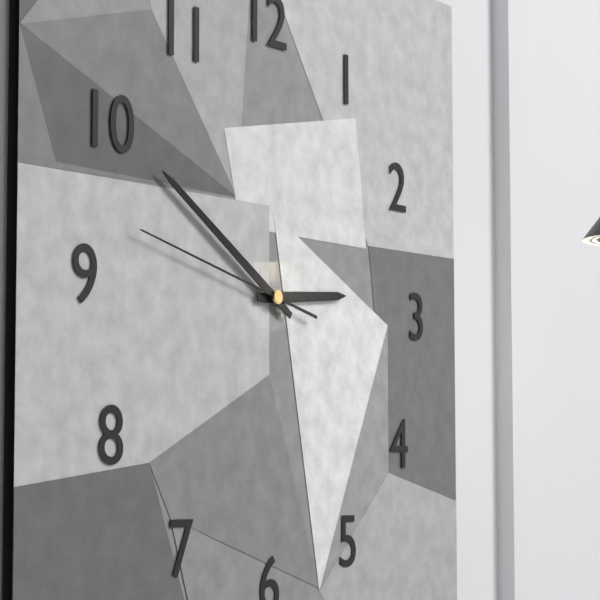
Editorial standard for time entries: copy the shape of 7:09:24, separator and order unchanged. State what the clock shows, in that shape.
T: 2:50:47
